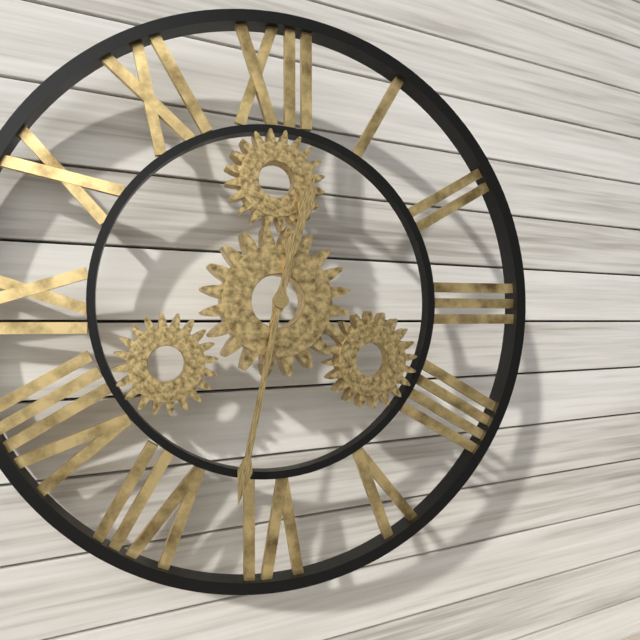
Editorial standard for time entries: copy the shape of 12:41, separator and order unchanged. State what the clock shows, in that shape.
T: 12:32
